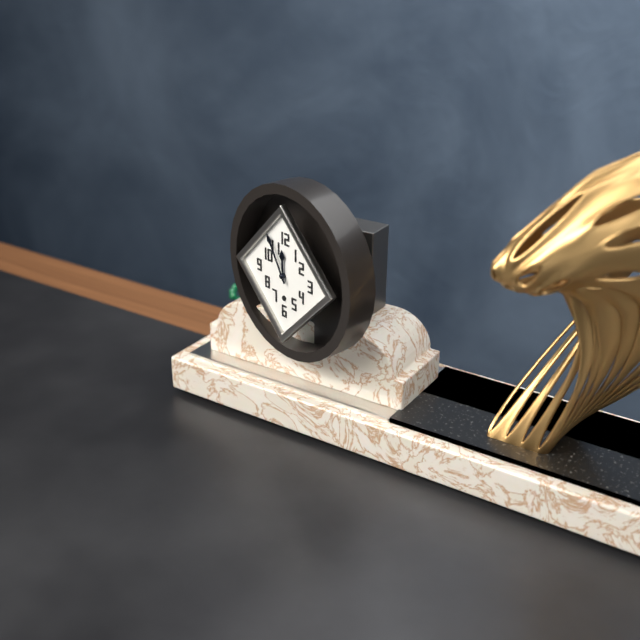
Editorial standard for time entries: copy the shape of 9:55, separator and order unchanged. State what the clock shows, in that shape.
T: 11:55
